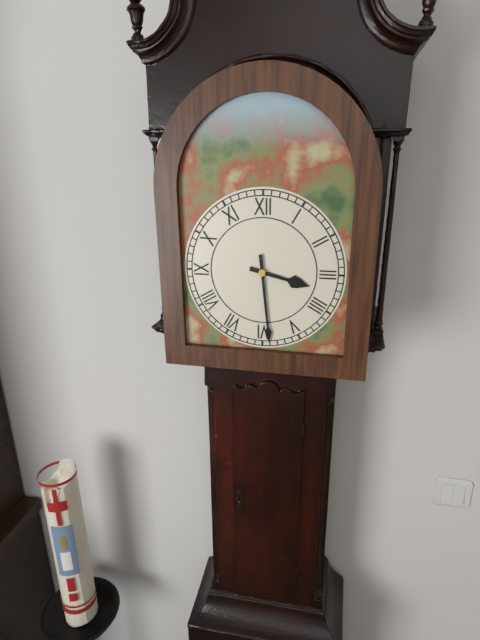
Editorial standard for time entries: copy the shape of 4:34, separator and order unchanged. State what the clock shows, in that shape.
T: 3:29
